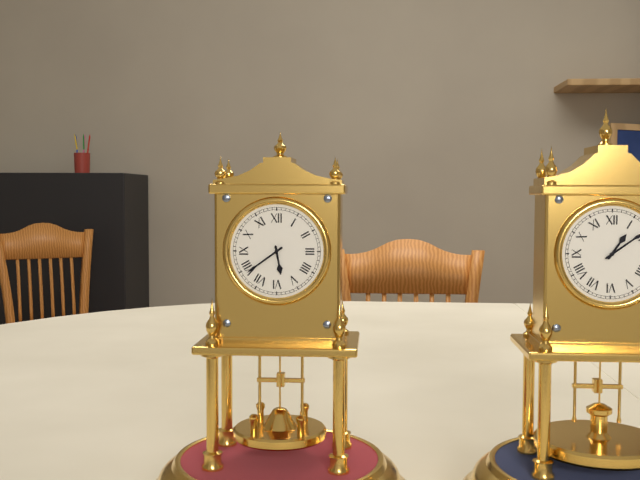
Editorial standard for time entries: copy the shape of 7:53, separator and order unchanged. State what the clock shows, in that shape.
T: 5:39
